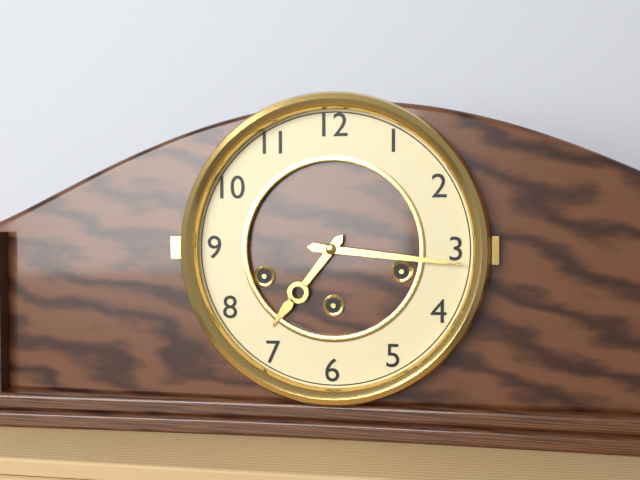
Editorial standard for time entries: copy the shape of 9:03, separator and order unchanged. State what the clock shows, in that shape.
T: 7:16
